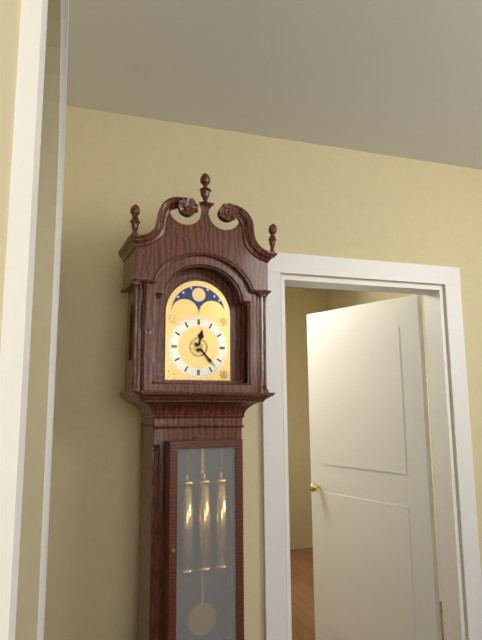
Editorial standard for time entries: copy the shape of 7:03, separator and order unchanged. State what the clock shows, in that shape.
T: 12:23
